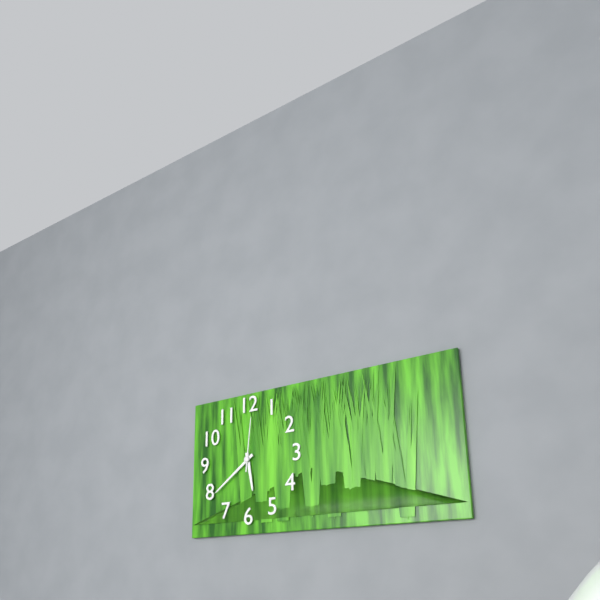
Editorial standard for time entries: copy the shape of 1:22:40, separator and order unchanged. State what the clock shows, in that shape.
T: 5:39:01
